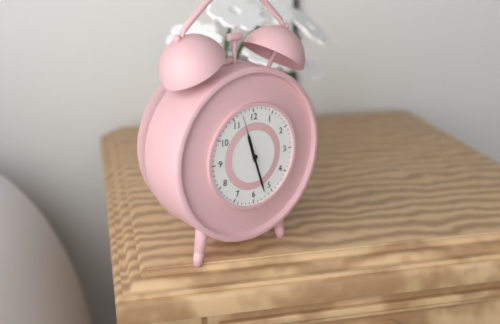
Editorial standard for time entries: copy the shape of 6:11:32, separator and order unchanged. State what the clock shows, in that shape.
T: 11:27:57
